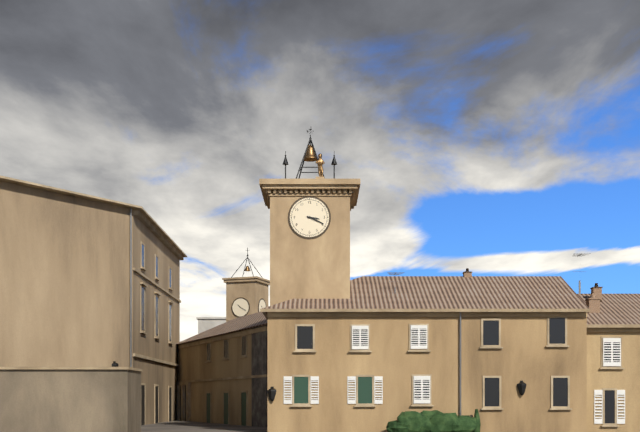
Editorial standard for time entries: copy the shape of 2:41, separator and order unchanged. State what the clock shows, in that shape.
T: 3:19
